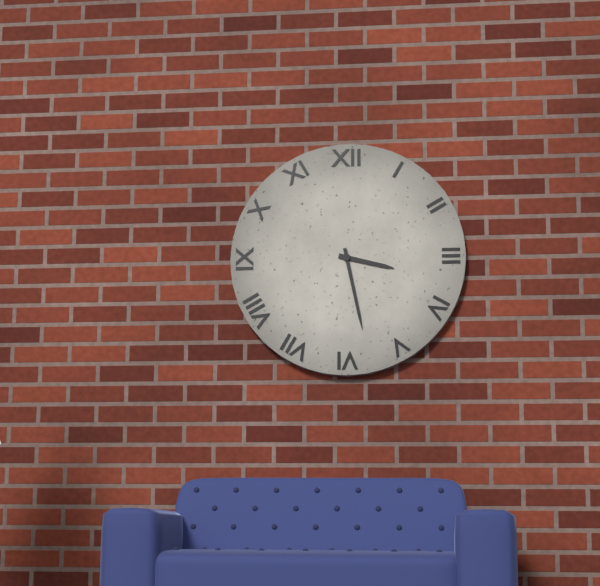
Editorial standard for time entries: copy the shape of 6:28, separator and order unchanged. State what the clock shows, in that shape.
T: 3:28
